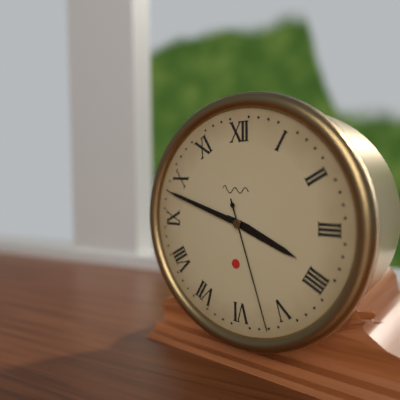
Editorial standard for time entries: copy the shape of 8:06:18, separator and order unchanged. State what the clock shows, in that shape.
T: 3:48:27
